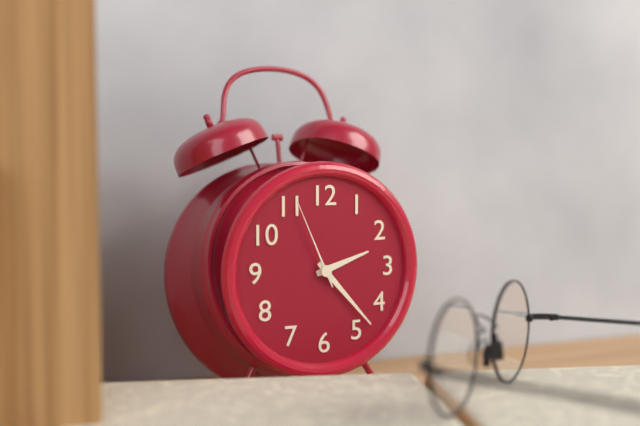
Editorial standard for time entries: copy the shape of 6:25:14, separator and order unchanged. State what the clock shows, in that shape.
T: 2:23:56
